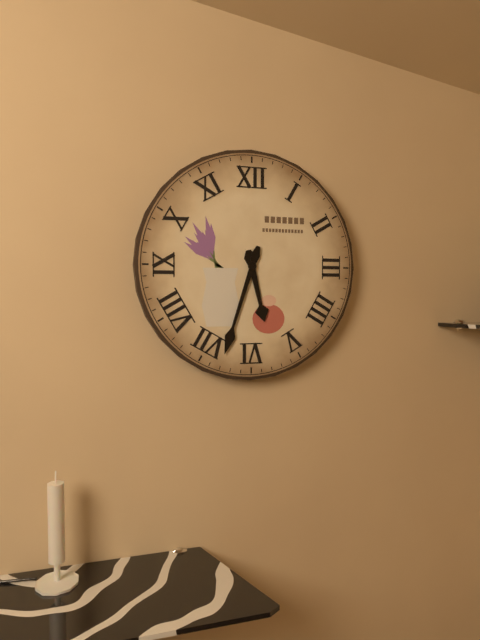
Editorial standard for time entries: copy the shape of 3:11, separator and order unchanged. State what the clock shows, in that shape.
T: 5:33
